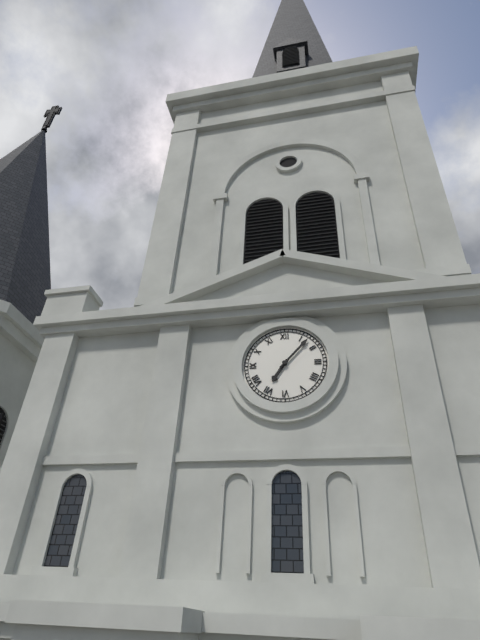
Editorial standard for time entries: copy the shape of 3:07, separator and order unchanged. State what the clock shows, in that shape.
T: 7:07
